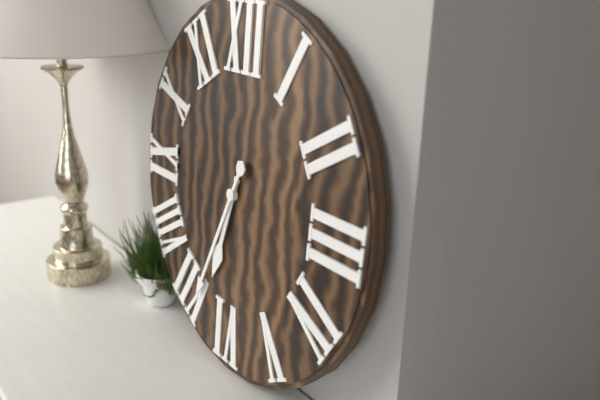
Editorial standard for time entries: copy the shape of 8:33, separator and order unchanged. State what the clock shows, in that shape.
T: 6:34
